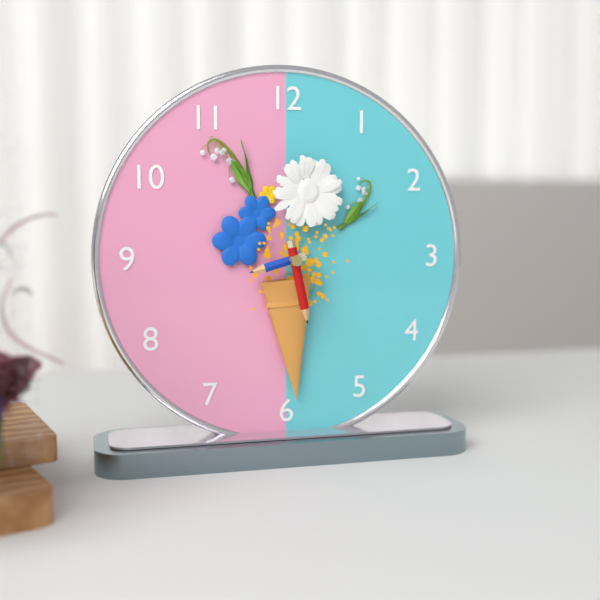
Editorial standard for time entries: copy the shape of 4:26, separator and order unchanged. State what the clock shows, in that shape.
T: 8:28
